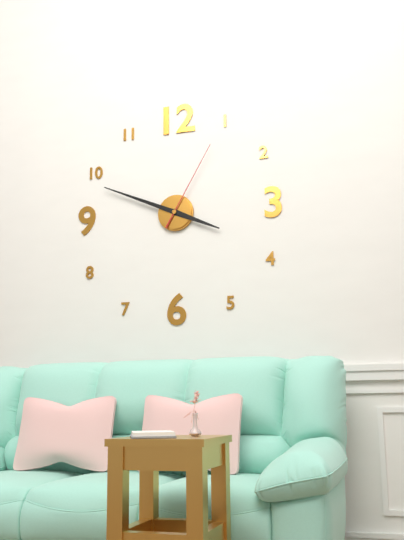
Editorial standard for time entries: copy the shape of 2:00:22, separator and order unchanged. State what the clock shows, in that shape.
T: 3:49:05
